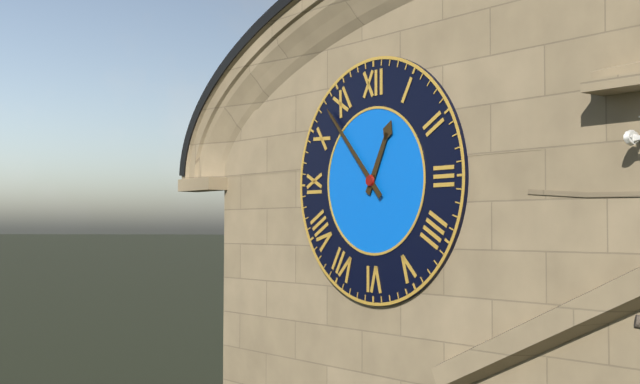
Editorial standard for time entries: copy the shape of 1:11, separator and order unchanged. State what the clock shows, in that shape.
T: 12:53
